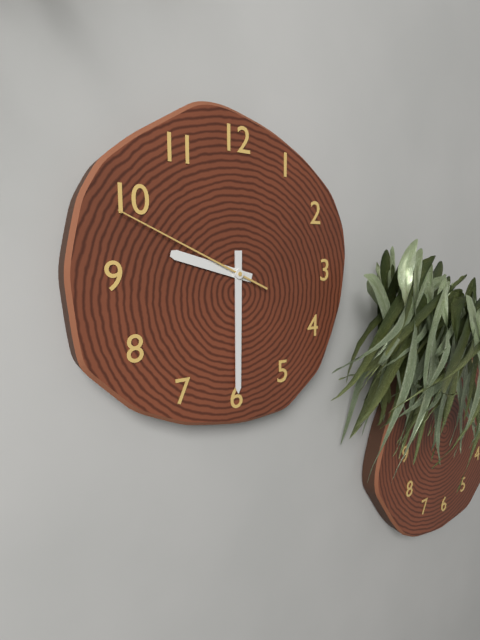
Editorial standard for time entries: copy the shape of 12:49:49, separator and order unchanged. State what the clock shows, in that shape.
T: 9:30:49
